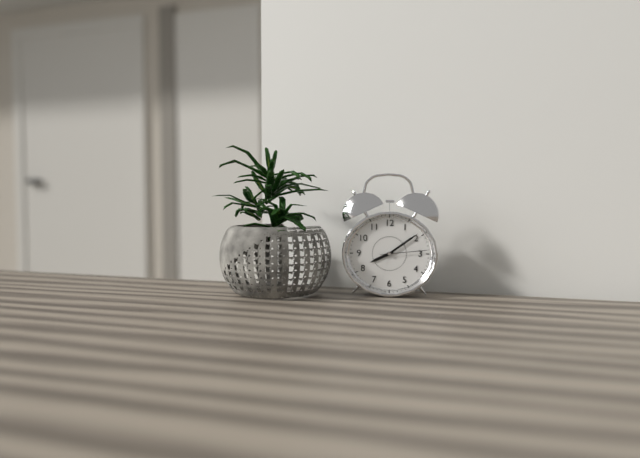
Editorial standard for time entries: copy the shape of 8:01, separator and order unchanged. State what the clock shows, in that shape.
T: 8:09
